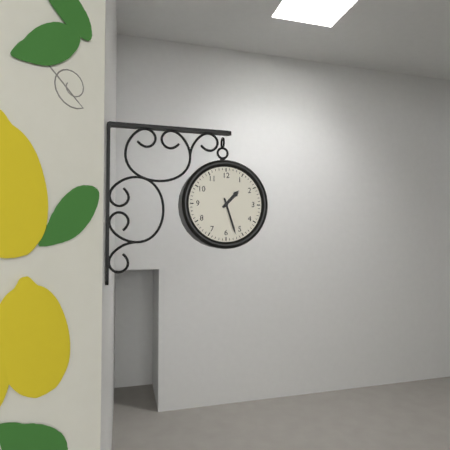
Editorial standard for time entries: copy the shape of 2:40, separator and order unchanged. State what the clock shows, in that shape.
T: 1:27
